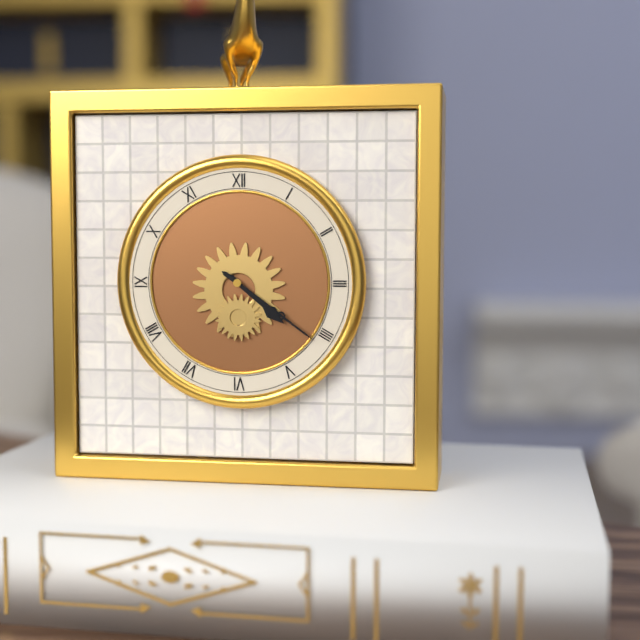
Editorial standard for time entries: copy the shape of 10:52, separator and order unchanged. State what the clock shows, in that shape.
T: 4:21
